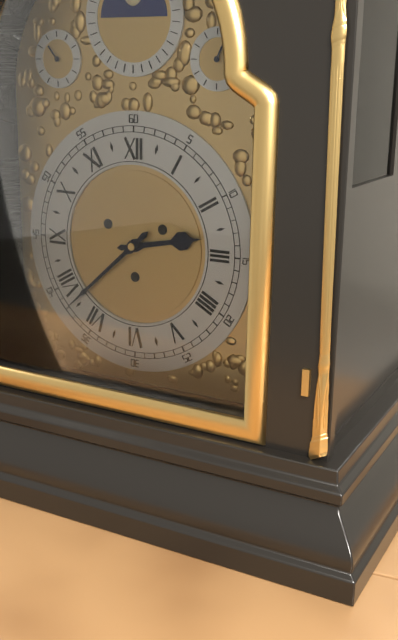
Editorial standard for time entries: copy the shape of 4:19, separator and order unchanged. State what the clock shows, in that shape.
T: 2:38
